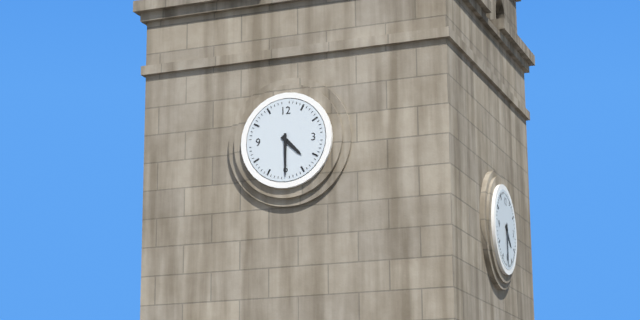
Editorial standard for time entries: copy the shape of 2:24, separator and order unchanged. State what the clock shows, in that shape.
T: 4:30
